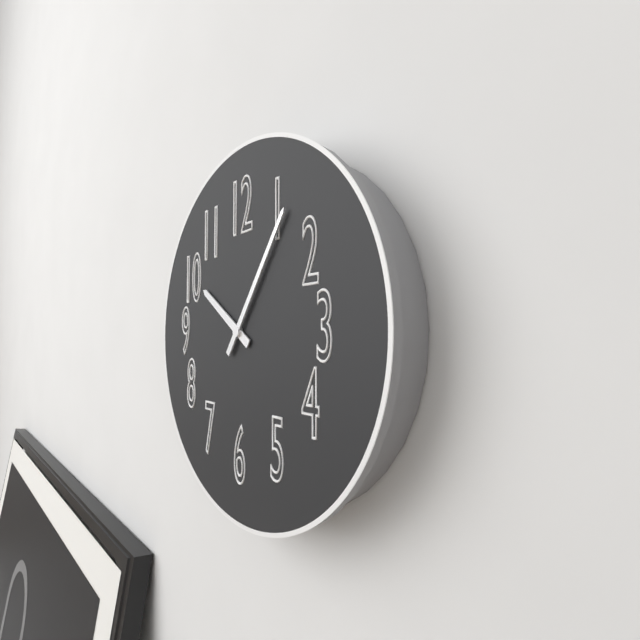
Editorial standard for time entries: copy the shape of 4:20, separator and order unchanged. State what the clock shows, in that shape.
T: 10:06
